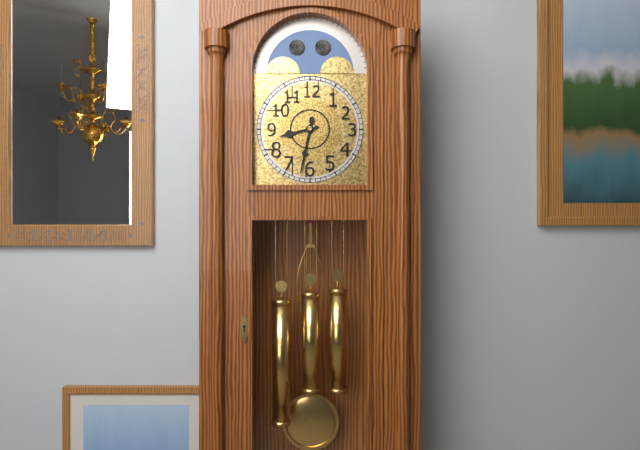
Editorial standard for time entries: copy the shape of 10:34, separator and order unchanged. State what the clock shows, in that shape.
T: 8:32
